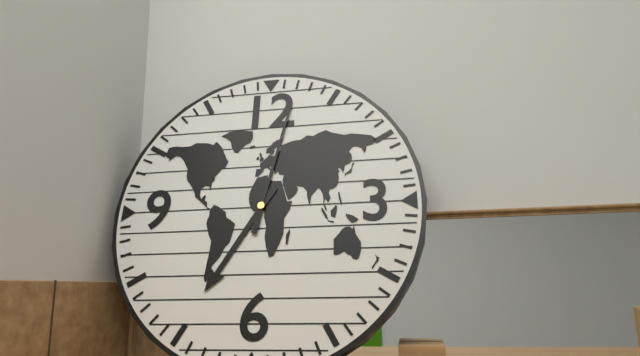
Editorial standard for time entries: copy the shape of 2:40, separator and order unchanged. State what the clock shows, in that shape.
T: 7:02
